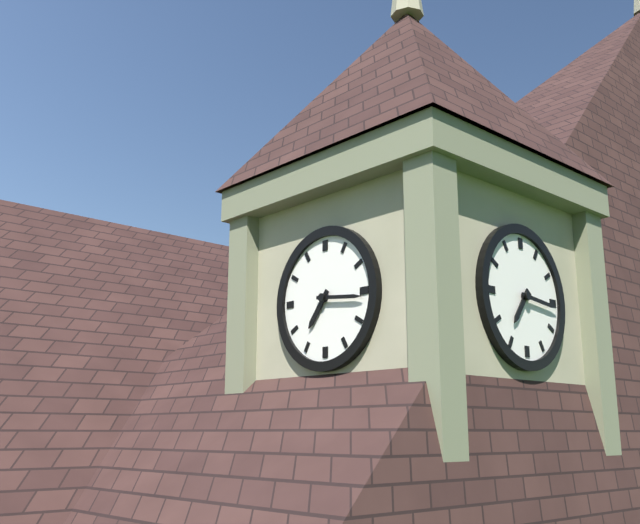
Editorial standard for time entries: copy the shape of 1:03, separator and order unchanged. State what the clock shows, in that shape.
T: 7:16
